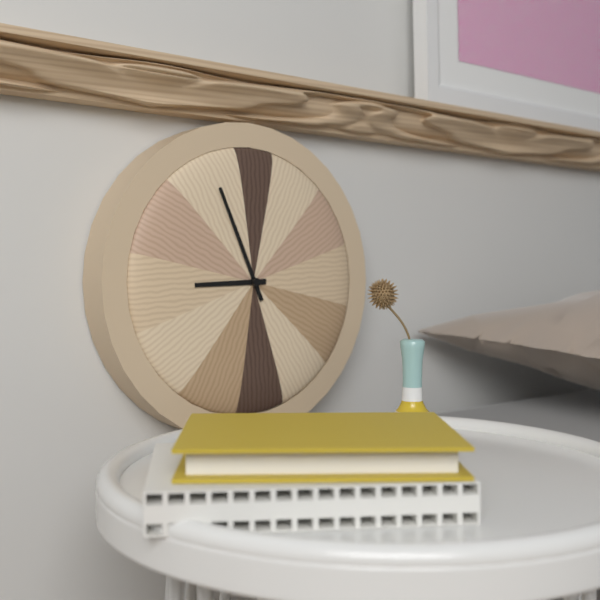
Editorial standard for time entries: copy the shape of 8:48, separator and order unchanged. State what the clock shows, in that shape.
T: 8:56
